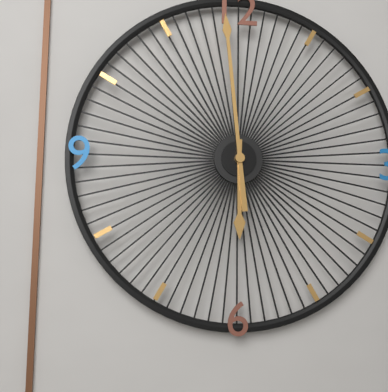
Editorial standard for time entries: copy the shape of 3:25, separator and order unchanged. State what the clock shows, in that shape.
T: 5:59
